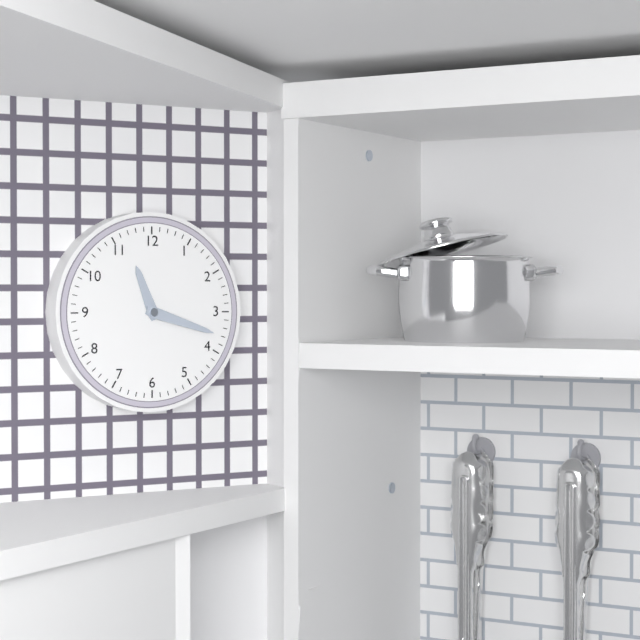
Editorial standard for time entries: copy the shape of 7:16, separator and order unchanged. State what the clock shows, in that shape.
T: 11:18
